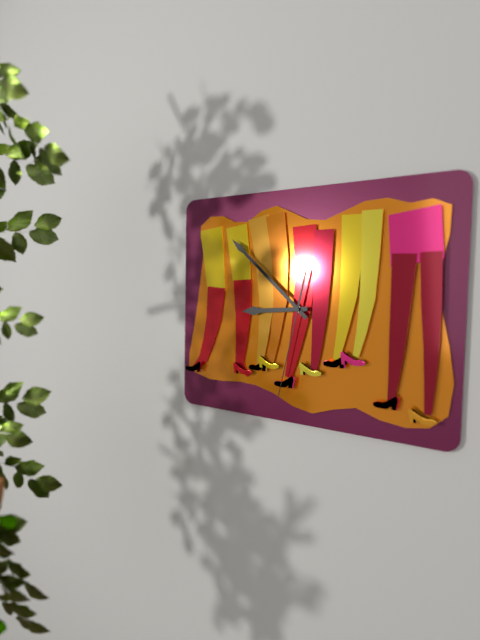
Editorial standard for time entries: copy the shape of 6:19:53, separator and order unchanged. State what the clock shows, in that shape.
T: 8:52:32
